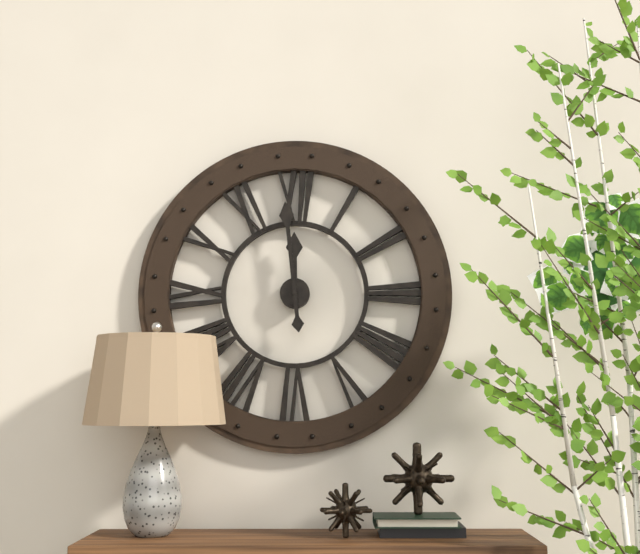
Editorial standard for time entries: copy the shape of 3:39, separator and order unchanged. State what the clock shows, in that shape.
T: 11:59
